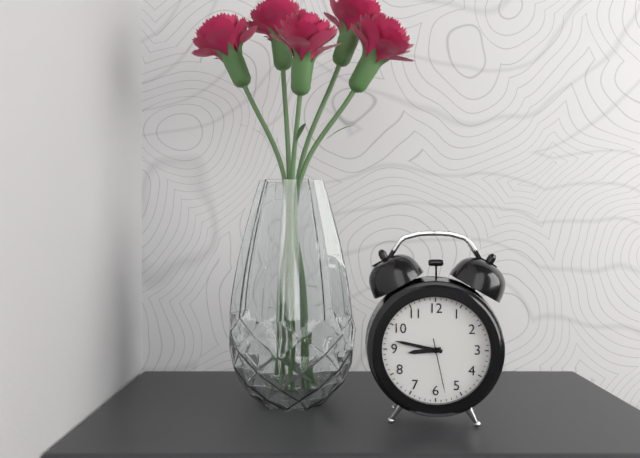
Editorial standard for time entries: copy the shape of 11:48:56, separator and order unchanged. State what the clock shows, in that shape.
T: 8:47:28
